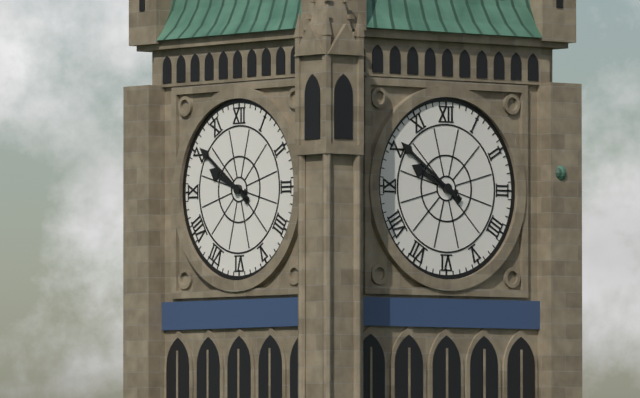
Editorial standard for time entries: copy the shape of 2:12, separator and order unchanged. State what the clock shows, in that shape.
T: 9:51
